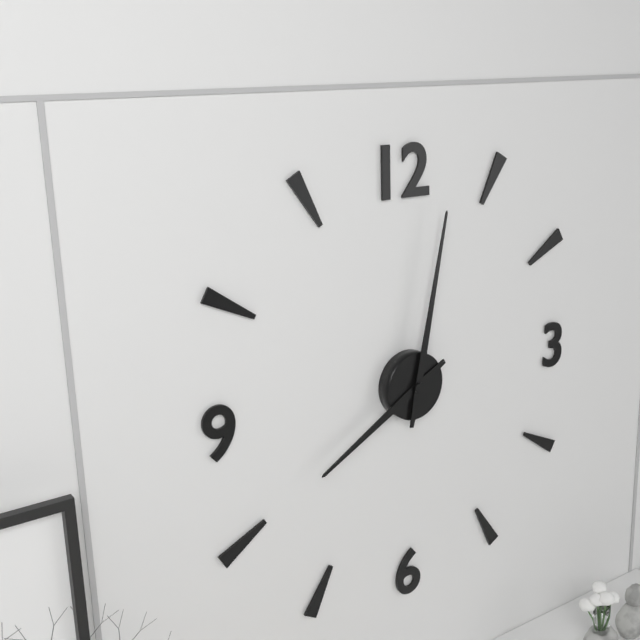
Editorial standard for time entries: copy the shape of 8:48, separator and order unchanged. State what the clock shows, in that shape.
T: 8:02
